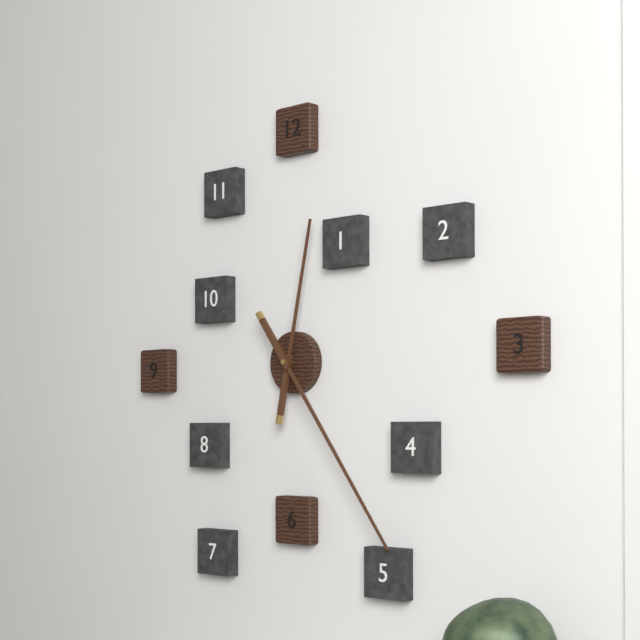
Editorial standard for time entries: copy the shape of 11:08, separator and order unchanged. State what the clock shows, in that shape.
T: 12:24
